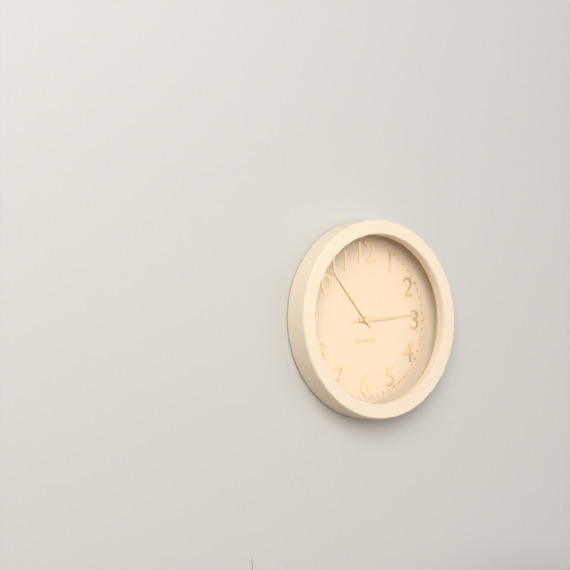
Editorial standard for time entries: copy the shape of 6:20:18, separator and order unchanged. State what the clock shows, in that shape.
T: 2:53:14
